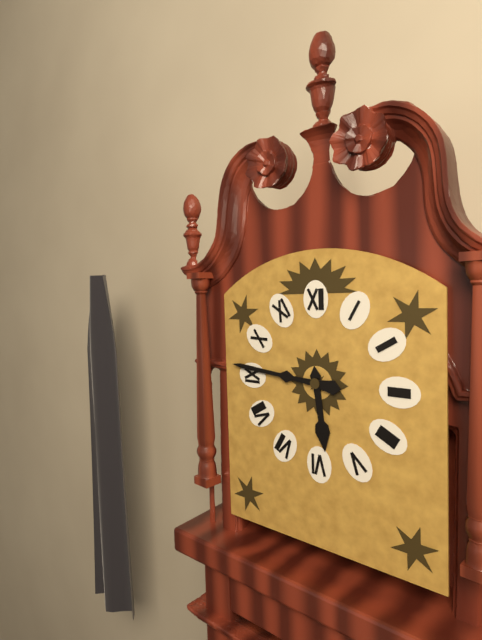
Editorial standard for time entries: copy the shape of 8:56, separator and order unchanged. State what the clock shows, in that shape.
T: 5:46
